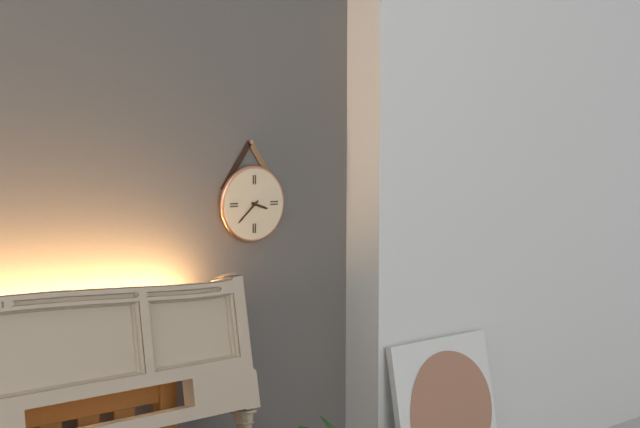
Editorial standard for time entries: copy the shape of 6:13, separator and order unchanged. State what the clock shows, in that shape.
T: 3:38
